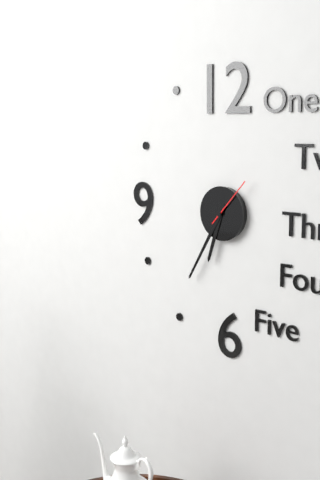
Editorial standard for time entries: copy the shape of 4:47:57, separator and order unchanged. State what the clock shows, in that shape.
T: 6:35:07
